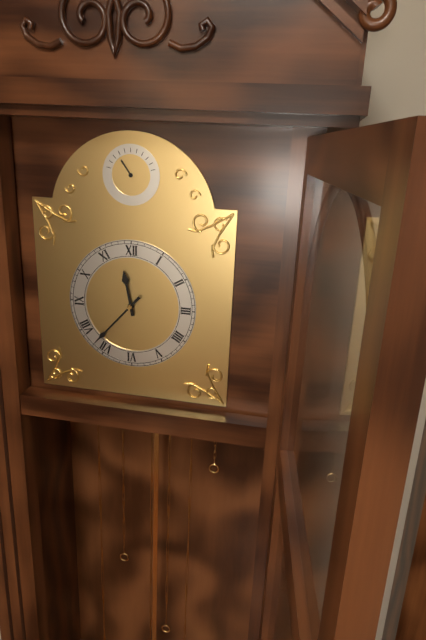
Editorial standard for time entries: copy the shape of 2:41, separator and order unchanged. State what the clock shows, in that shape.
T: 11:37
